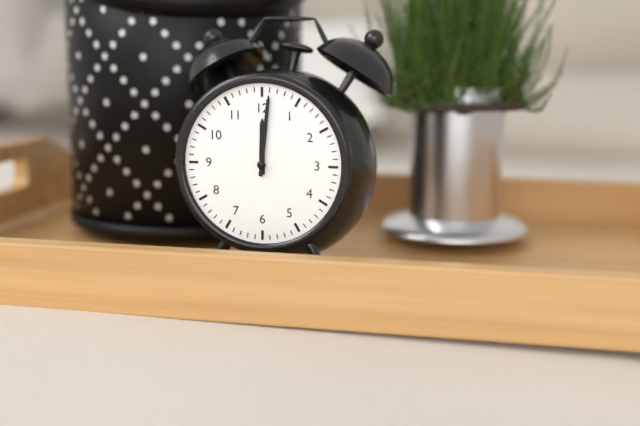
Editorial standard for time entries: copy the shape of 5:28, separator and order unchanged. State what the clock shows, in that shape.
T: 12:01
